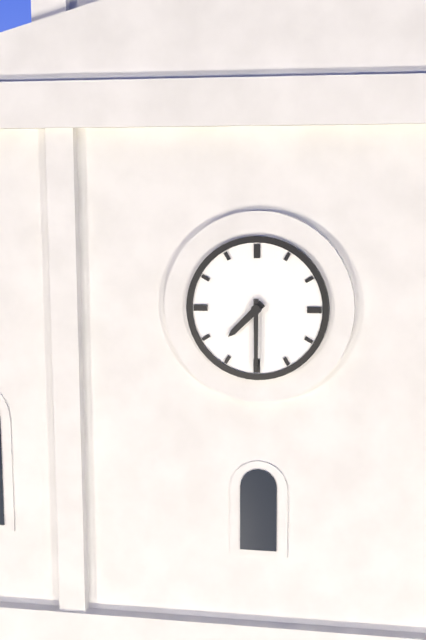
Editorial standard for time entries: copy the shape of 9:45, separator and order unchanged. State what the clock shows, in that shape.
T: 7:30
